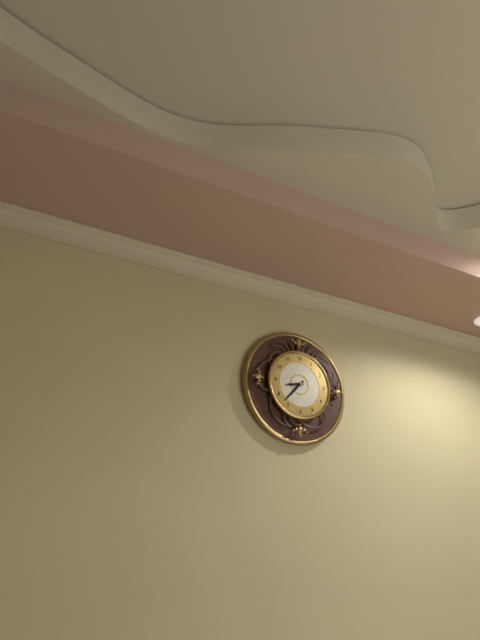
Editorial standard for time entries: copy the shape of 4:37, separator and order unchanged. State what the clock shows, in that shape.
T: 8:37
